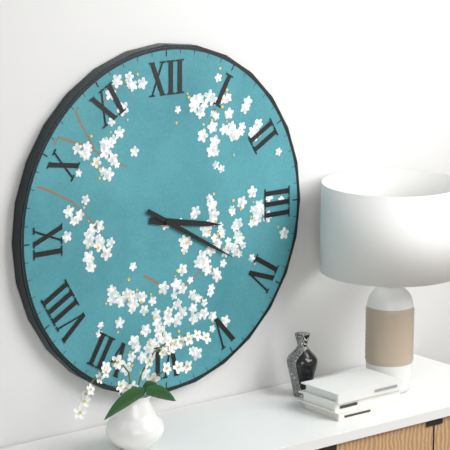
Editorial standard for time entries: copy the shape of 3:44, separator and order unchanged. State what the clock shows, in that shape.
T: 3:20
